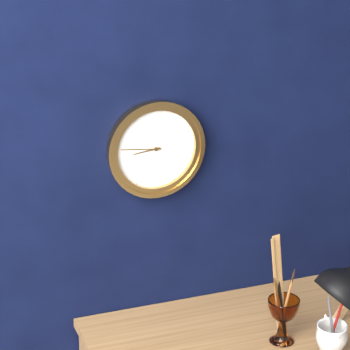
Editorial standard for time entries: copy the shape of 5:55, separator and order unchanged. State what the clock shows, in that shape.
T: 8:46
